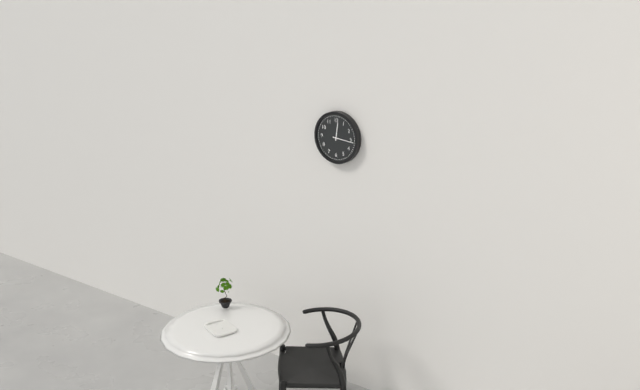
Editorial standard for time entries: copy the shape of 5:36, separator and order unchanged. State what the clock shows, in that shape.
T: 12:16
